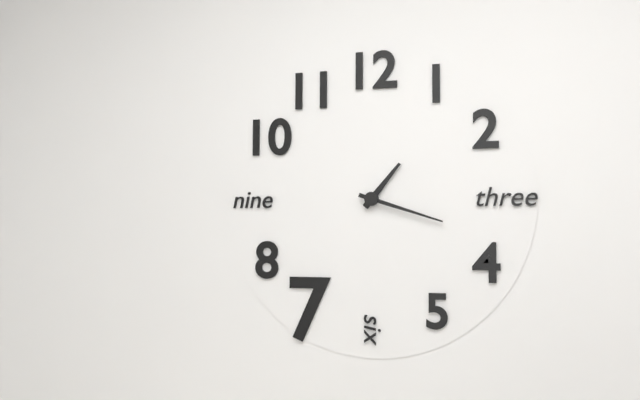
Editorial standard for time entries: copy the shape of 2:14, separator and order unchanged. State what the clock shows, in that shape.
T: 1:18
